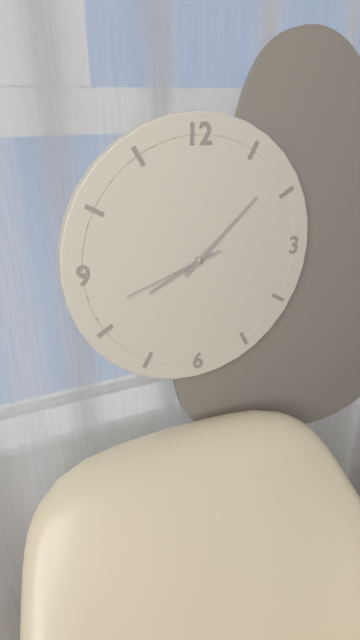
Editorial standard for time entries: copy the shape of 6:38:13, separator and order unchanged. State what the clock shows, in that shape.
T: 8:08:42
